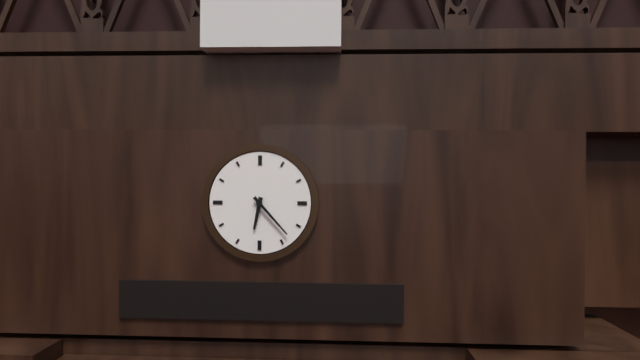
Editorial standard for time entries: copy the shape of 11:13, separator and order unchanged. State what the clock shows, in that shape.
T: 6:23
